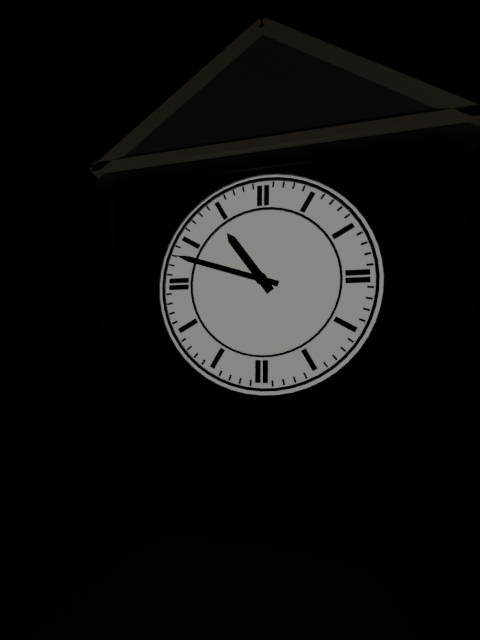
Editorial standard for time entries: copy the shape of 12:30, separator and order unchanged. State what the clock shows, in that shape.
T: 10:48
